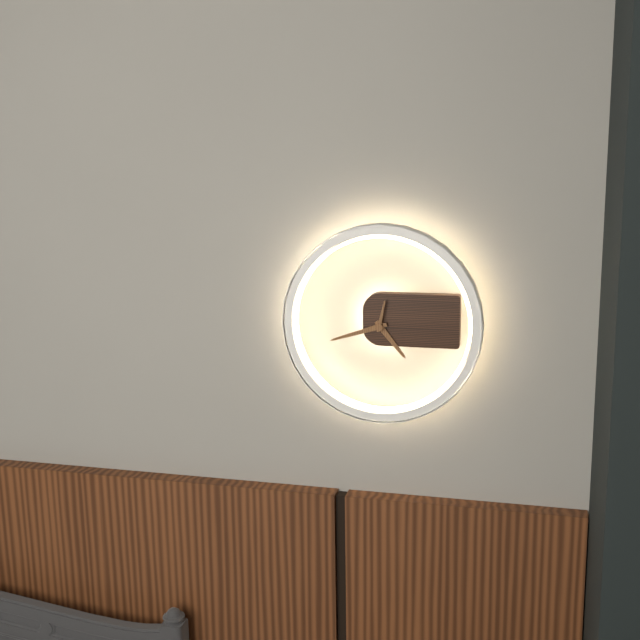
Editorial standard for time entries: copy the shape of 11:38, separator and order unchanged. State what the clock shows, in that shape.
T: 4:42
